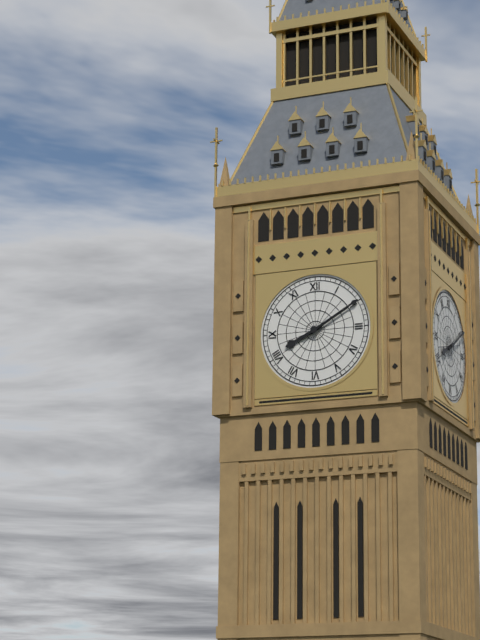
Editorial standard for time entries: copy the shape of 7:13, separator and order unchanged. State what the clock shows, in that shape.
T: 8:10
